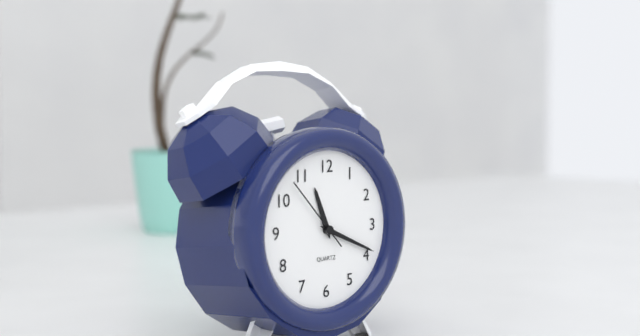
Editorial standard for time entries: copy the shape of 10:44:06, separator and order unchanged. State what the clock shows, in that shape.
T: 11:19:53
